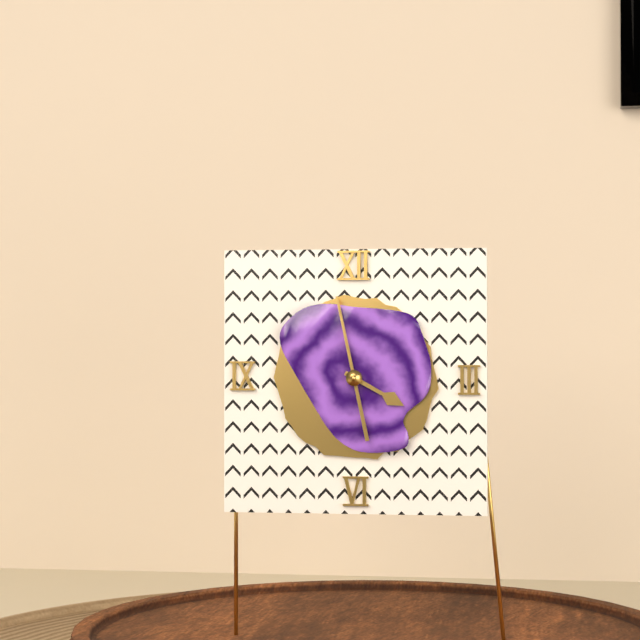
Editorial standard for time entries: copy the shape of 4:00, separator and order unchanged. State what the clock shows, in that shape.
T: 3:58
